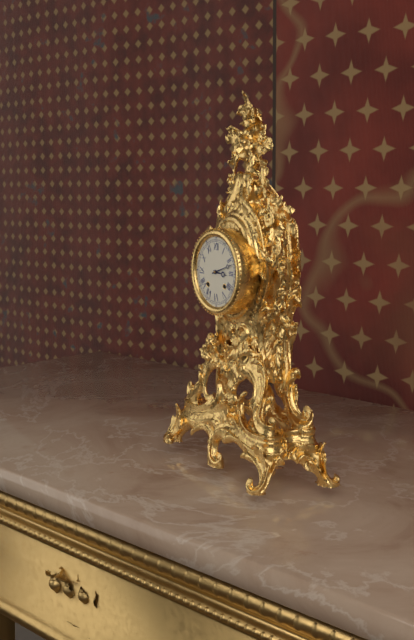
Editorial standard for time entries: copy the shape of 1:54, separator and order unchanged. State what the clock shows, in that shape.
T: 3:12
